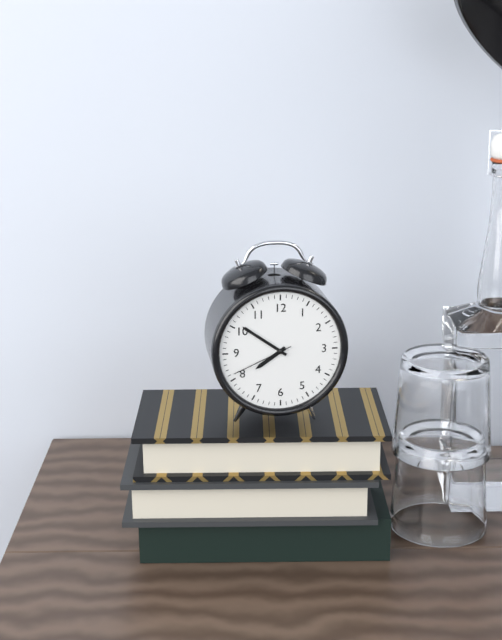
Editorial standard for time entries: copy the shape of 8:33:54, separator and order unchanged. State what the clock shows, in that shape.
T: 7:51:41
